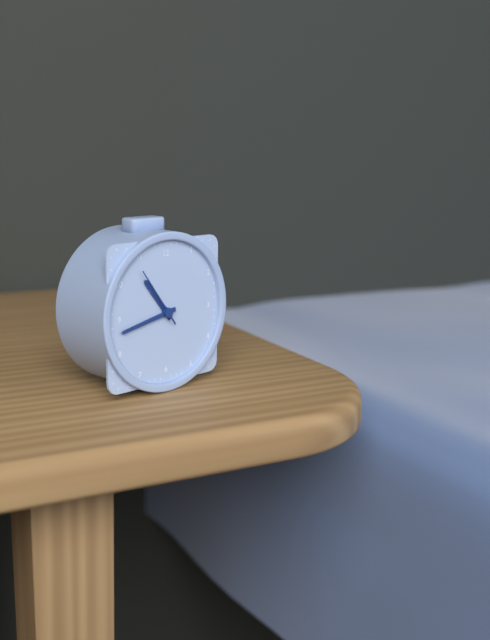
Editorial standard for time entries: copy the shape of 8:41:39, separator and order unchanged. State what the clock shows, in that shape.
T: 10:43:54
